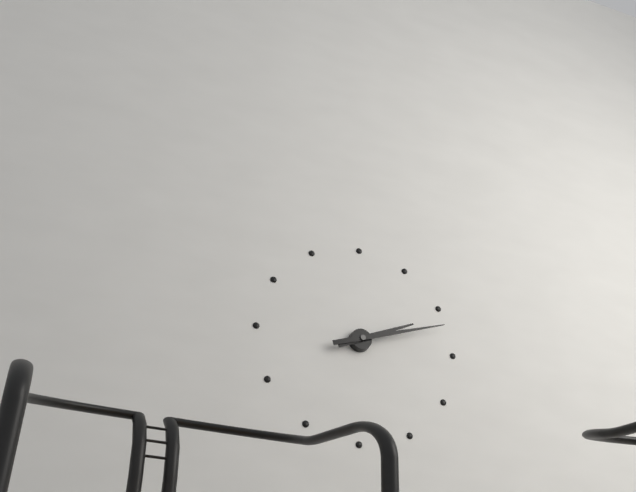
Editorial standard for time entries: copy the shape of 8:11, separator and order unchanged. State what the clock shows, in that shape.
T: 2:12
